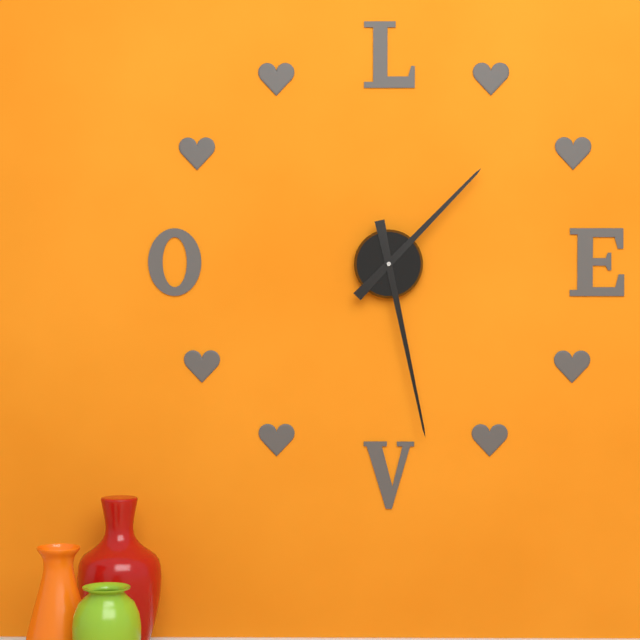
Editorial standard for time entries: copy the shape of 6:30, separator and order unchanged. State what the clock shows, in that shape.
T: 1:28
